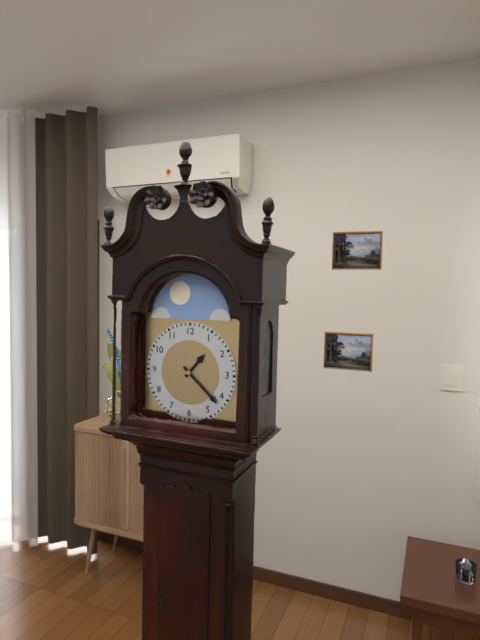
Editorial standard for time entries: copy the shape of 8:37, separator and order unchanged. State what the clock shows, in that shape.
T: 1:22
